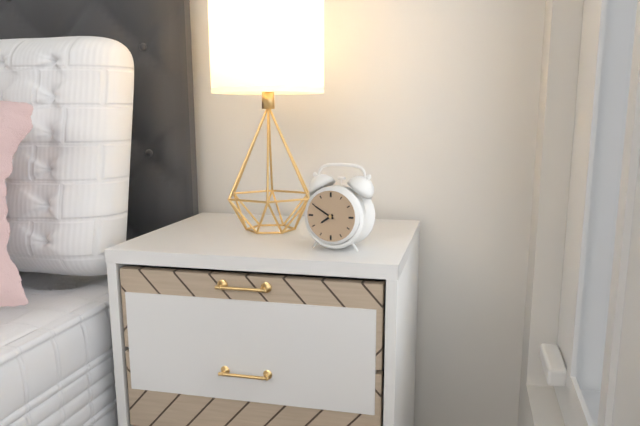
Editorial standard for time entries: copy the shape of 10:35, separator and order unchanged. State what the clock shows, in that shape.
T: 7:50
